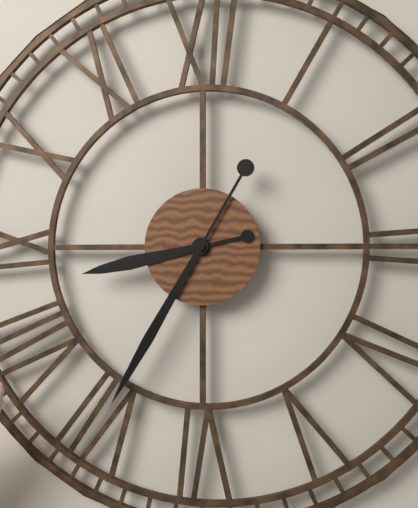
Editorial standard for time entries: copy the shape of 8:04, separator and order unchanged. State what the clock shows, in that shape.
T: 8:35
